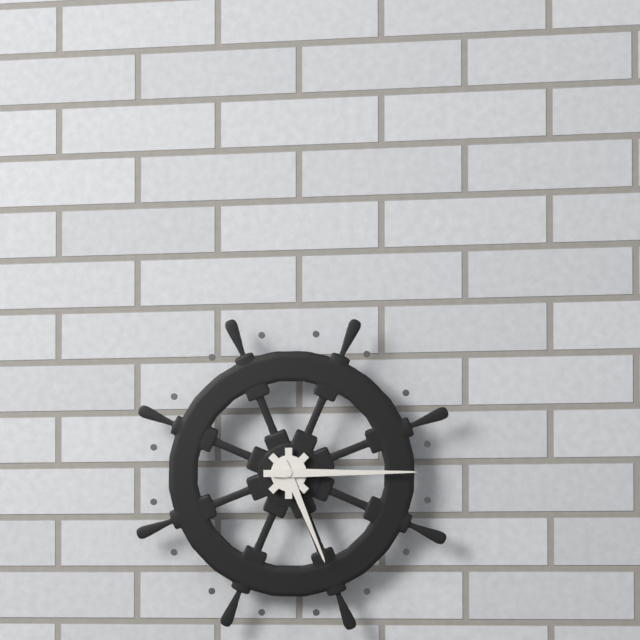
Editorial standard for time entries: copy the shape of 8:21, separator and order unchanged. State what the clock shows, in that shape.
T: 5:15
